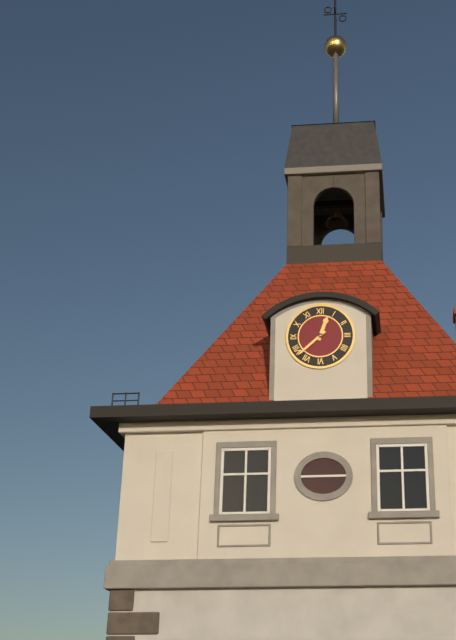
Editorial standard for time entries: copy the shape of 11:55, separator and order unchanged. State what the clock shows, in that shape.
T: 12:38
